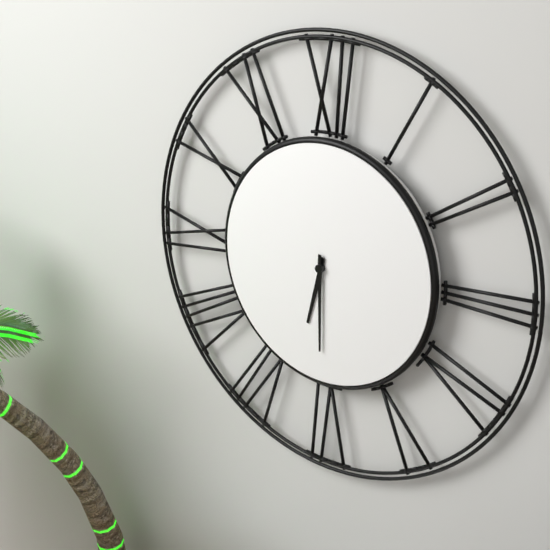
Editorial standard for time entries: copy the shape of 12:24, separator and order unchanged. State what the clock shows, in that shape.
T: 6:30
